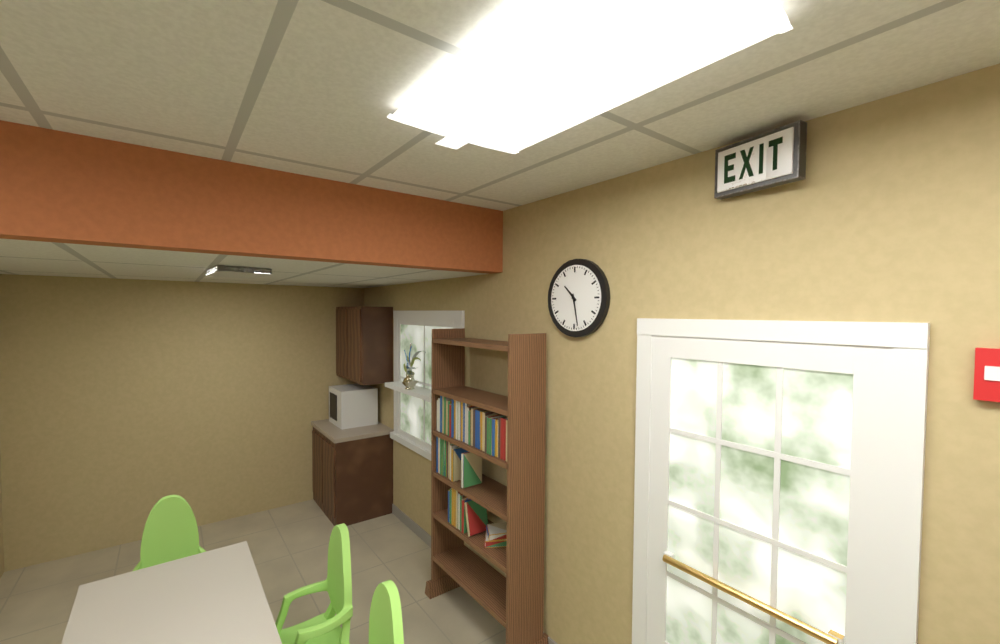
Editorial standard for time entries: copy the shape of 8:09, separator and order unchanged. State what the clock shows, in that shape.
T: 10:28
